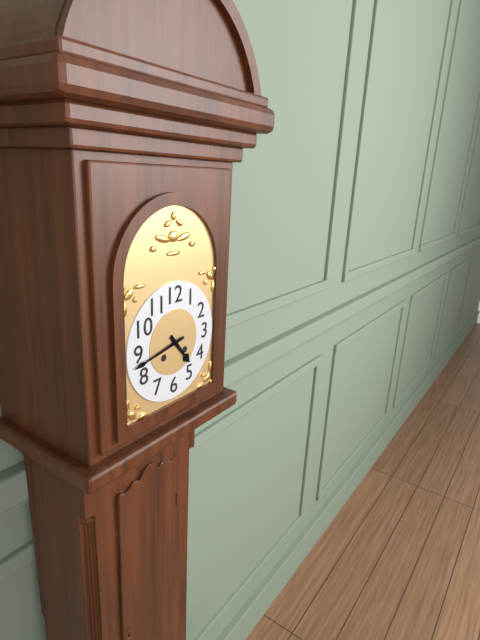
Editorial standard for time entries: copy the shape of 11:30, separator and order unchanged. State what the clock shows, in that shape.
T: 4:43
